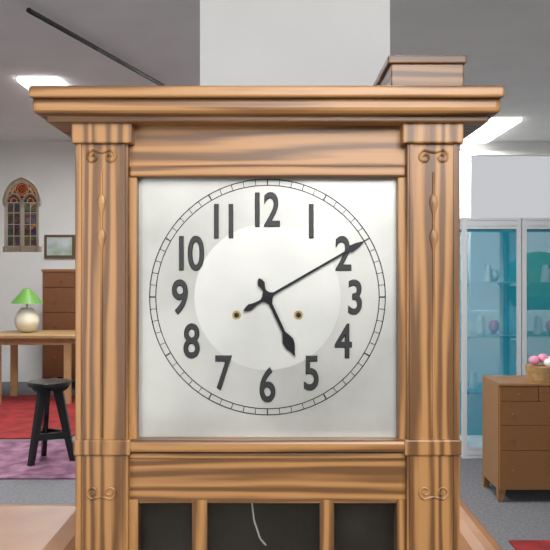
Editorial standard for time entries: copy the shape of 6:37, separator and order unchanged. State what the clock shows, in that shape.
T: 5:10
